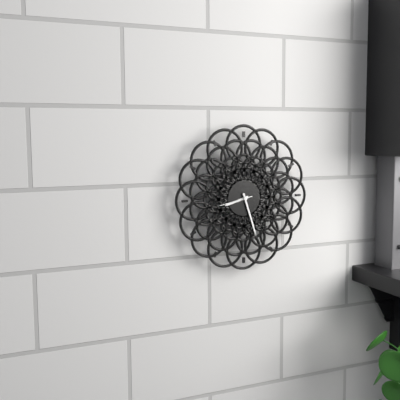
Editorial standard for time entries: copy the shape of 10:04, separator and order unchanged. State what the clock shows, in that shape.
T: 8:27
